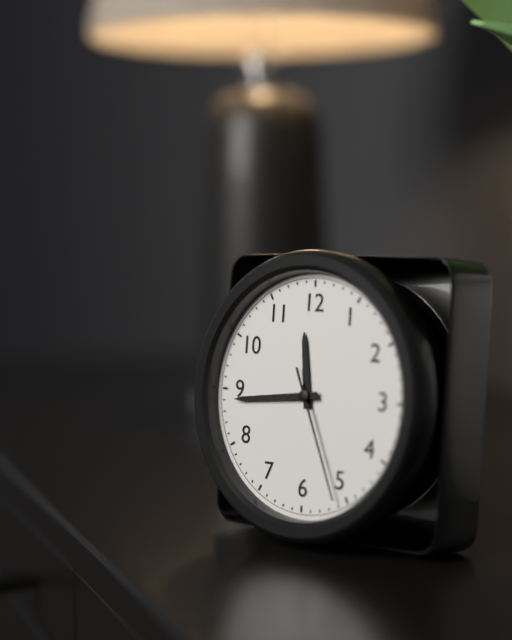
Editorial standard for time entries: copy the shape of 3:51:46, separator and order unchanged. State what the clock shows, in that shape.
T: 11:44:26
